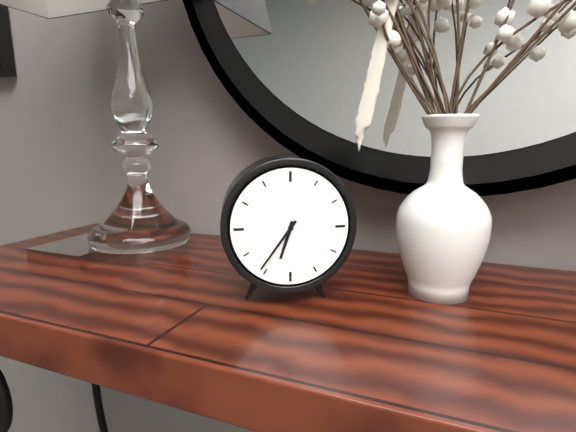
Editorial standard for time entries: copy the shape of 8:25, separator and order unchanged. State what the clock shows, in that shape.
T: 6:36
